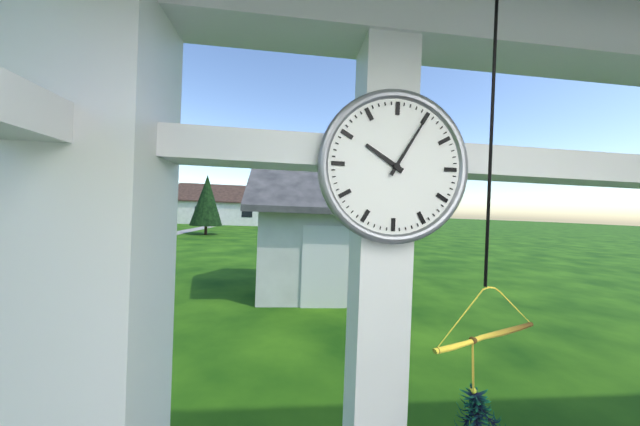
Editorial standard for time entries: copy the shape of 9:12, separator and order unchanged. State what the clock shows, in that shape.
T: 10:05
